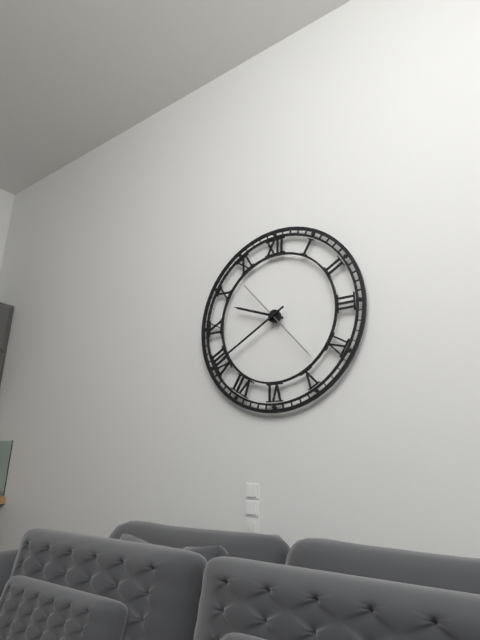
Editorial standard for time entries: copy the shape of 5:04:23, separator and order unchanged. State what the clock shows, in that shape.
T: 9:40:23
